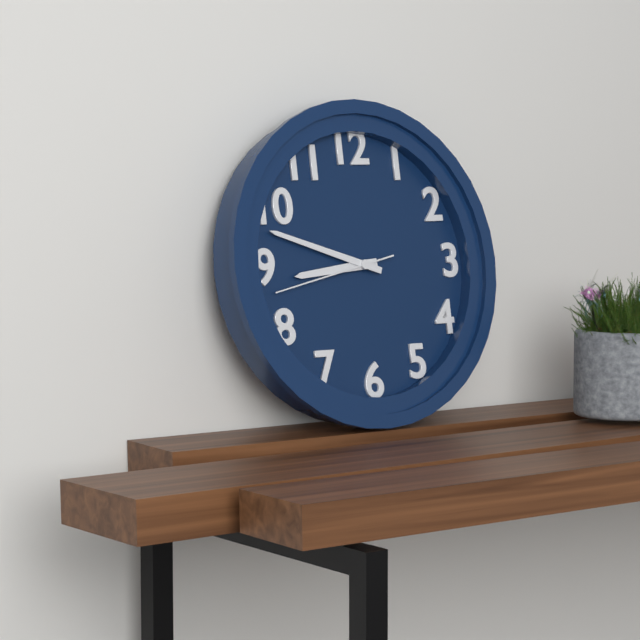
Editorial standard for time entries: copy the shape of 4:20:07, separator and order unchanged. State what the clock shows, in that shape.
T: 8:48:43
